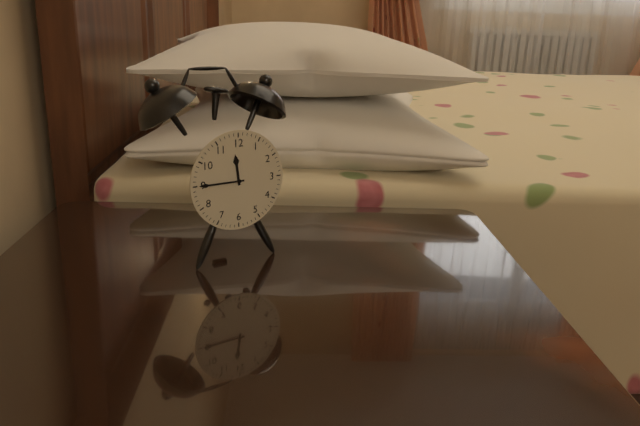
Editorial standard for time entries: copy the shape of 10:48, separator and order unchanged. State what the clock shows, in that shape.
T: 11:45
